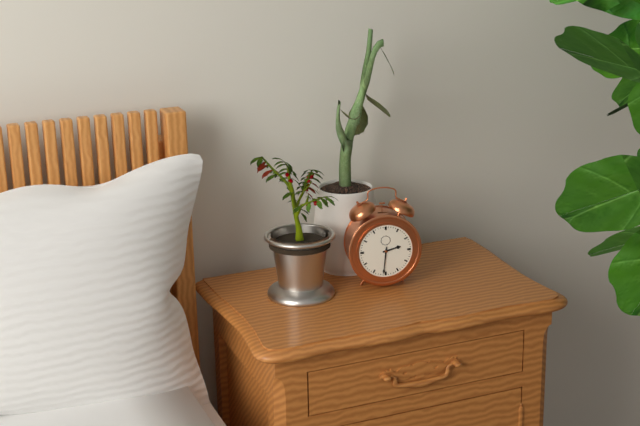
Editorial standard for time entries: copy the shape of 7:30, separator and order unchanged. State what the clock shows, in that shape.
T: 2:31
